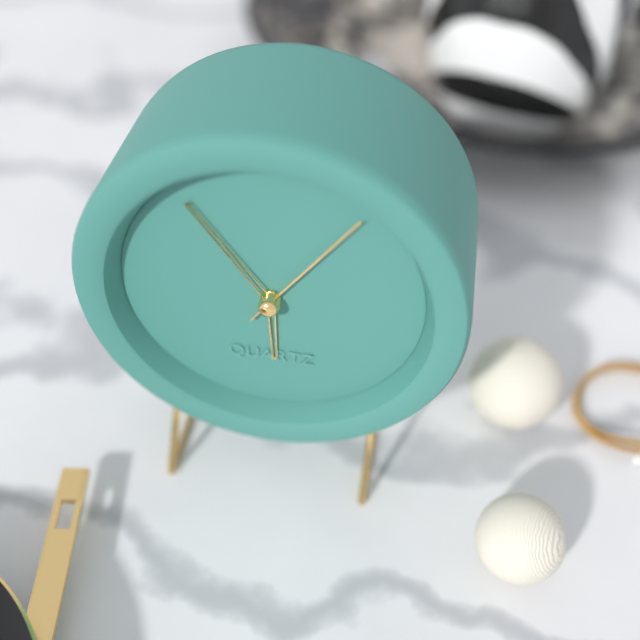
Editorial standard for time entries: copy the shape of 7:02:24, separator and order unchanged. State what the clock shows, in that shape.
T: 5:54:06
